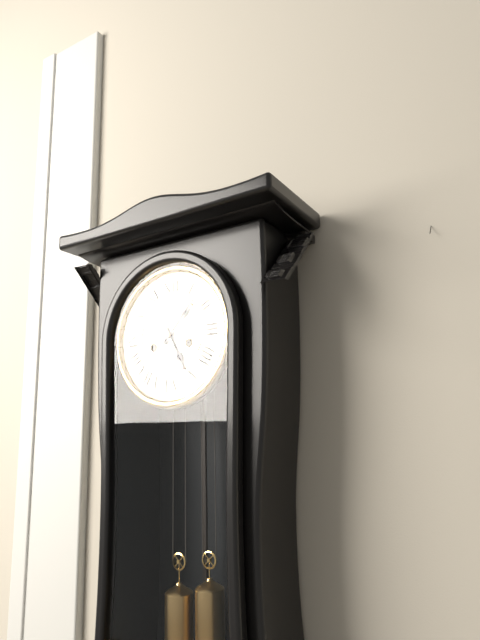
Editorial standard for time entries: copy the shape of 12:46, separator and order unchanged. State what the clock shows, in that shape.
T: 5:07
